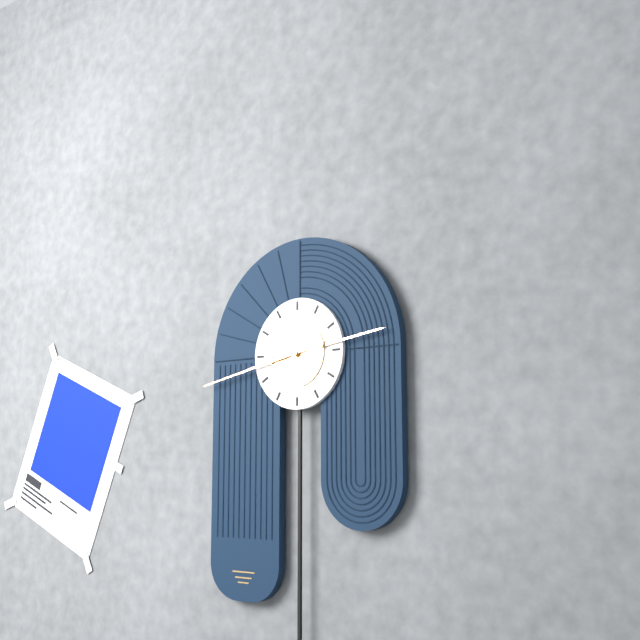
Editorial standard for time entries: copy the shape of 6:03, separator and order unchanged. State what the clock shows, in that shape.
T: 2:43
